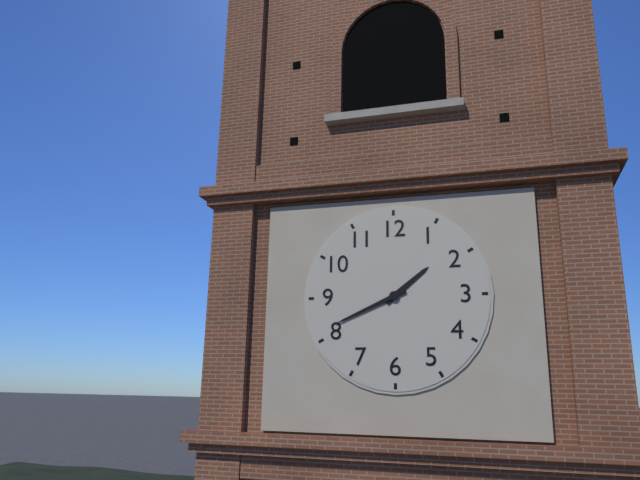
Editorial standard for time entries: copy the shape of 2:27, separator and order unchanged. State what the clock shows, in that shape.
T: 1:41
